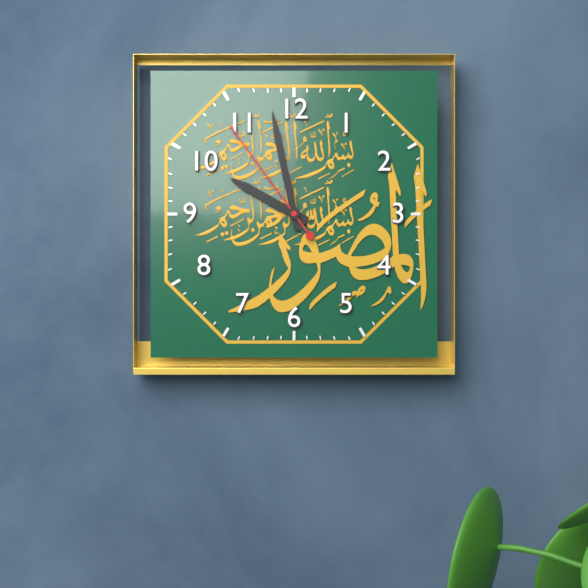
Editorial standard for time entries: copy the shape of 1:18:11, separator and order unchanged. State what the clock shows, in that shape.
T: 9:58:54
